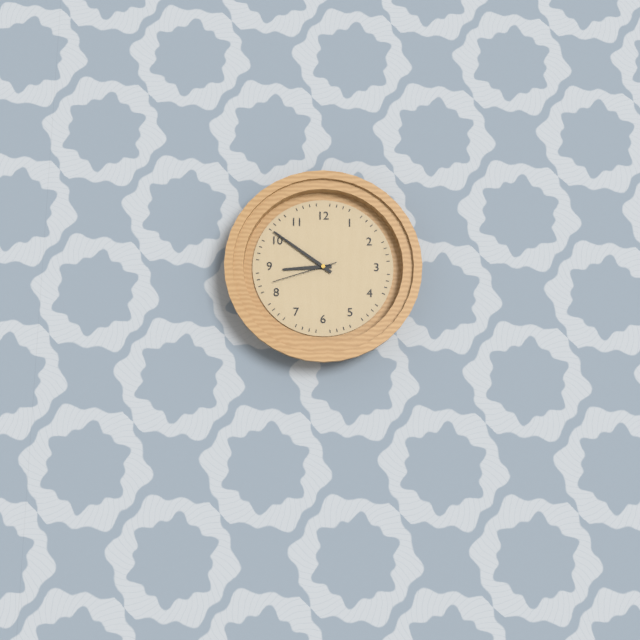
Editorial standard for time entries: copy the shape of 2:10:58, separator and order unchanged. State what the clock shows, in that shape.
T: 8:51:42
